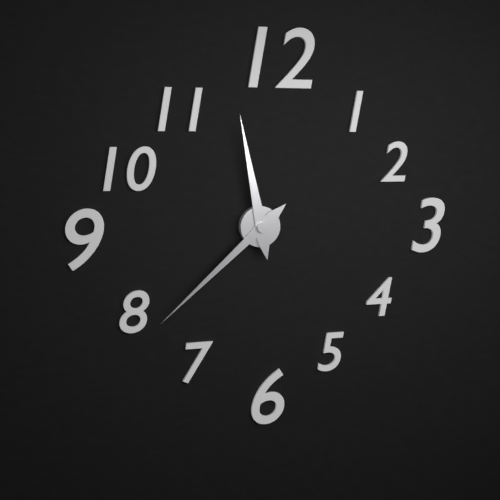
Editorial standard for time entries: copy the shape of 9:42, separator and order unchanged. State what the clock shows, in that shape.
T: 11:38
